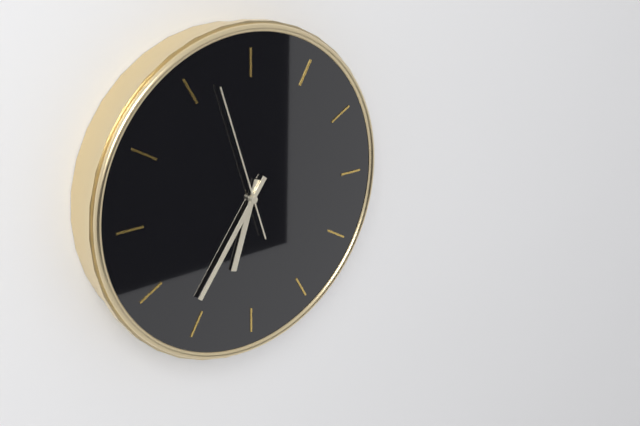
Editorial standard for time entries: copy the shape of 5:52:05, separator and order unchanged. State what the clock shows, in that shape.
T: 6:36:57
